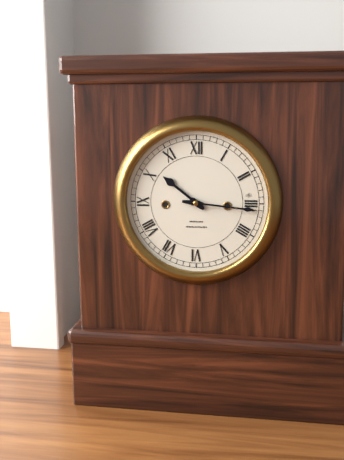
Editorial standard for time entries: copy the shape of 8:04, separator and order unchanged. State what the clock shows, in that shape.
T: 10:16
